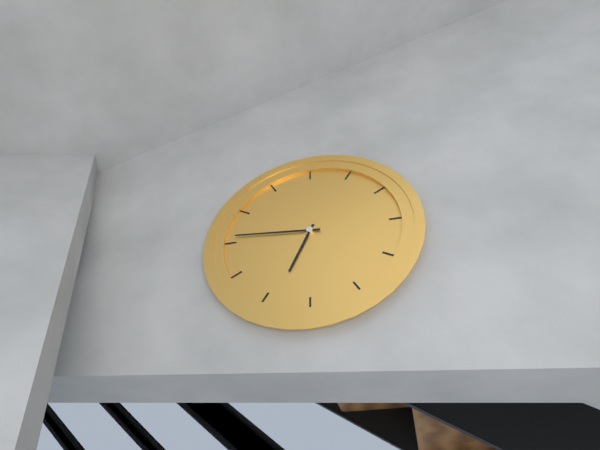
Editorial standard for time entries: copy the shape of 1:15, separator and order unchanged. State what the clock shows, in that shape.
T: 6:46
